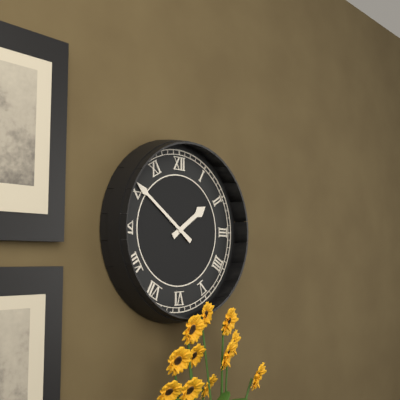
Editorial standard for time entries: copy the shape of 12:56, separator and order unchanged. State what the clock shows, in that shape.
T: 1:51
